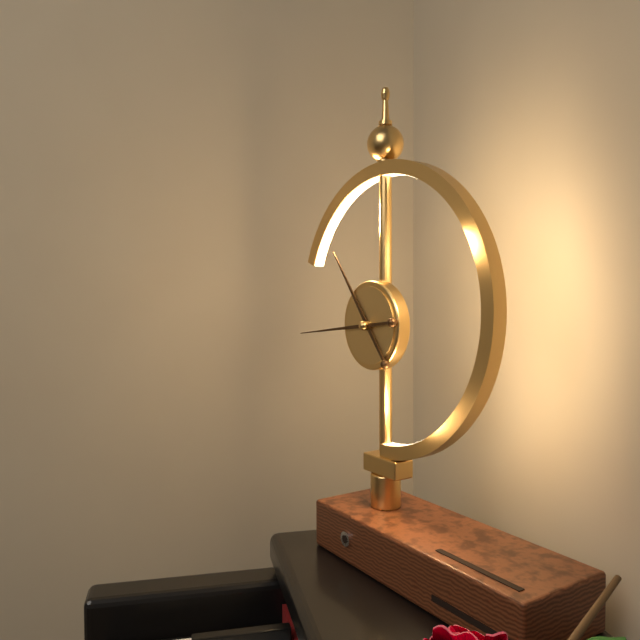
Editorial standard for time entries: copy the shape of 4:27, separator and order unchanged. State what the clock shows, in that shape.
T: 10:44
